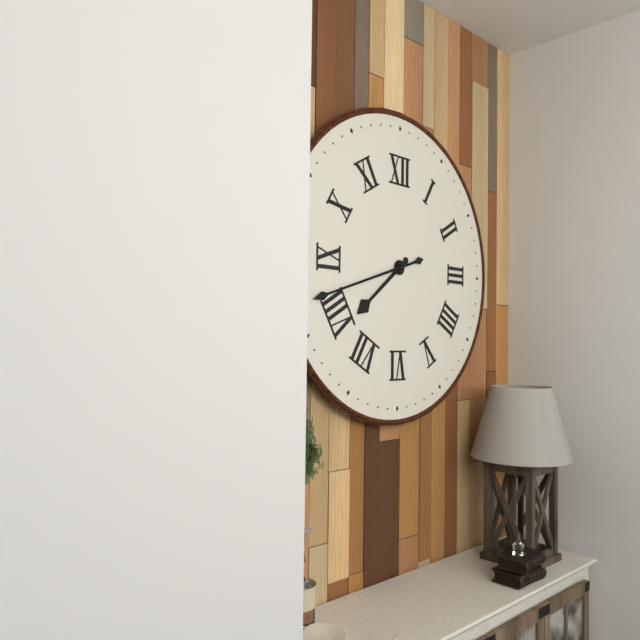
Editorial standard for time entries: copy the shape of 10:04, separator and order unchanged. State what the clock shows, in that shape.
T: 7:42
